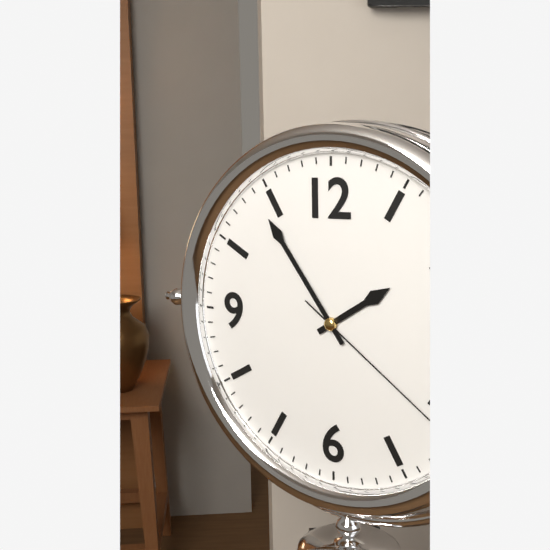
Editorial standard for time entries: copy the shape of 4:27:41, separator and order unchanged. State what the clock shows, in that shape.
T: 1:54:21
